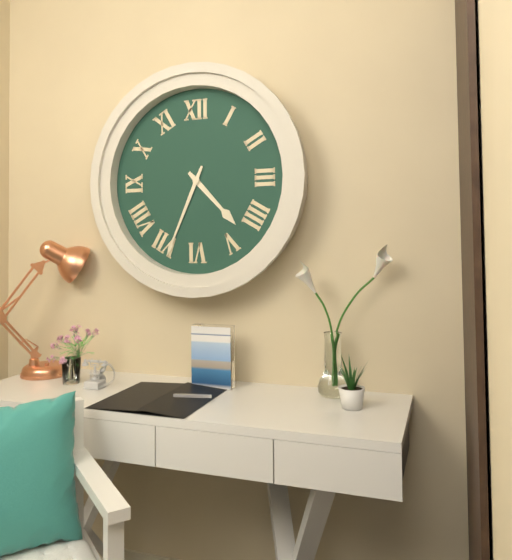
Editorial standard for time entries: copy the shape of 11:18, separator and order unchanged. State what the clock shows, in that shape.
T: 4:34
